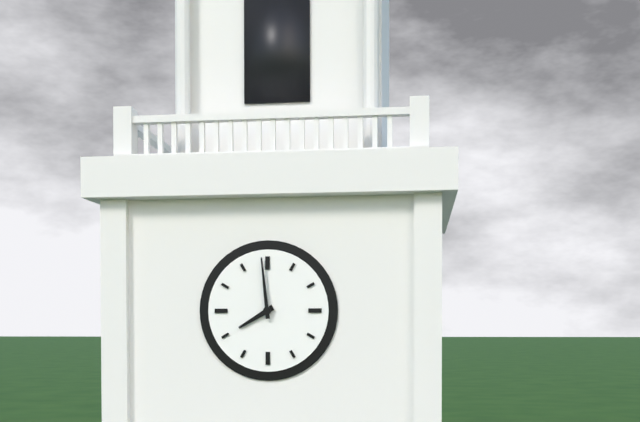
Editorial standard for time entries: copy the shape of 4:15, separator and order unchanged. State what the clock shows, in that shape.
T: 7:59
